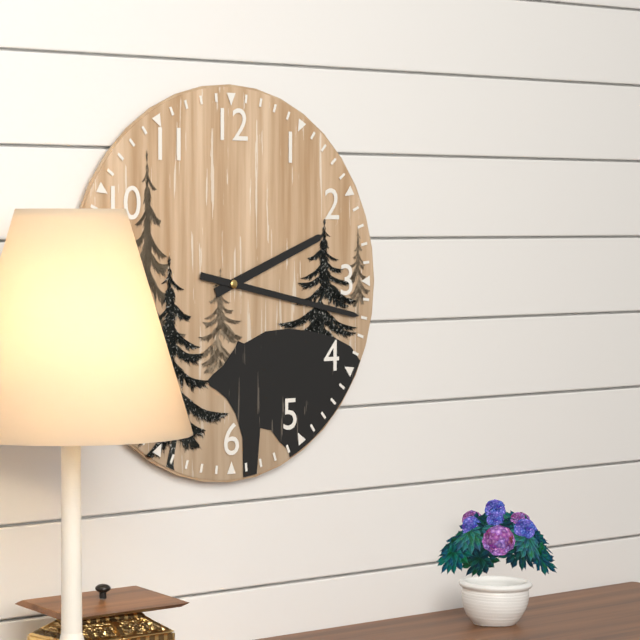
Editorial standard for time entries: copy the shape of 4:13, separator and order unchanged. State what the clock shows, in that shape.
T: 2:17
